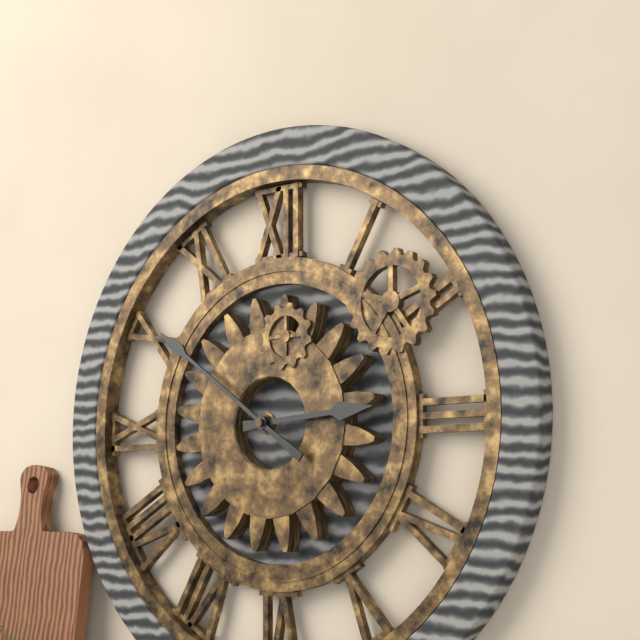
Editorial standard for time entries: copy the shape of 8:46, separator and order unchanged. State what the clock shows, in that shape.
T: 2:51
